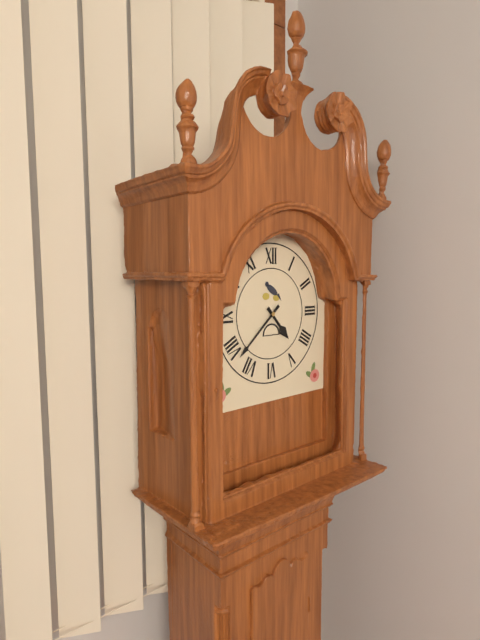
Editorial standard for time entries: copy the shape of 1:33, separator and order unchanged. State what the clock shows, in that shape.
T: 4:38
